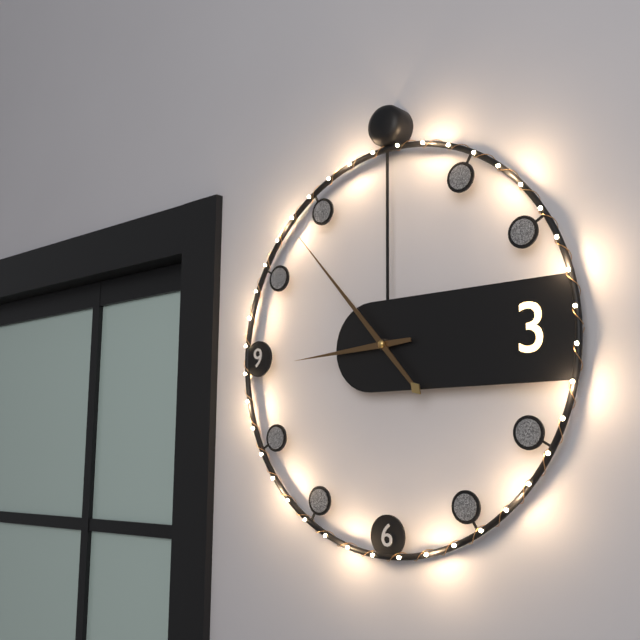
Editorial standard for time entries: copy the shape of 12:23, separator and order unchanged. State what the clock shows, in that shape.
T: 8:53
